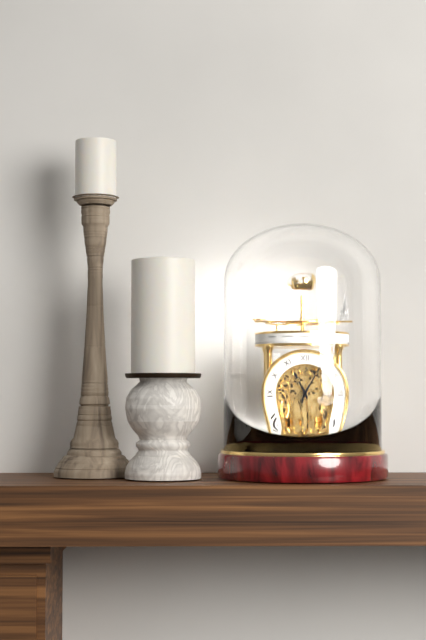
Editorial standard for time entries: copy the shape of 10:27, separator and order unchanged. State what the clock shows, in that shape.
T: 11:05
